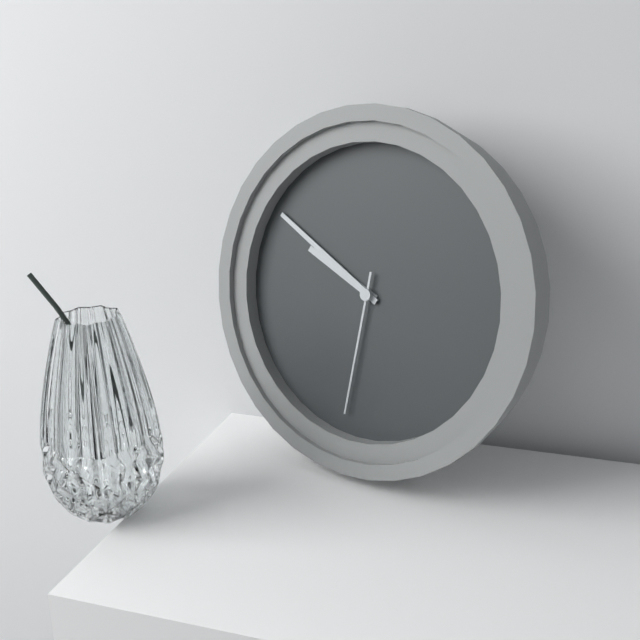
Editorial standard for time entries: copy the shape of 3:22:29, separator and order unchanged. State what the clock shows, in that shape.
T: 9:50:31
